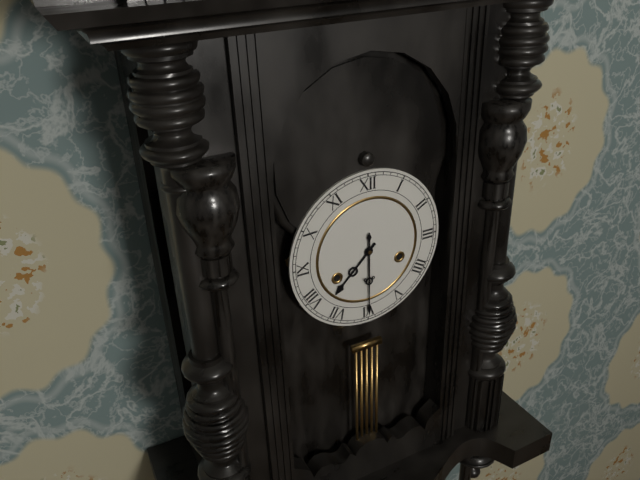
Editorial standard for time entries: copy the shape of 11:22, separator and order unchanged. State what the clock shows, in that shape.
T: 7:30
